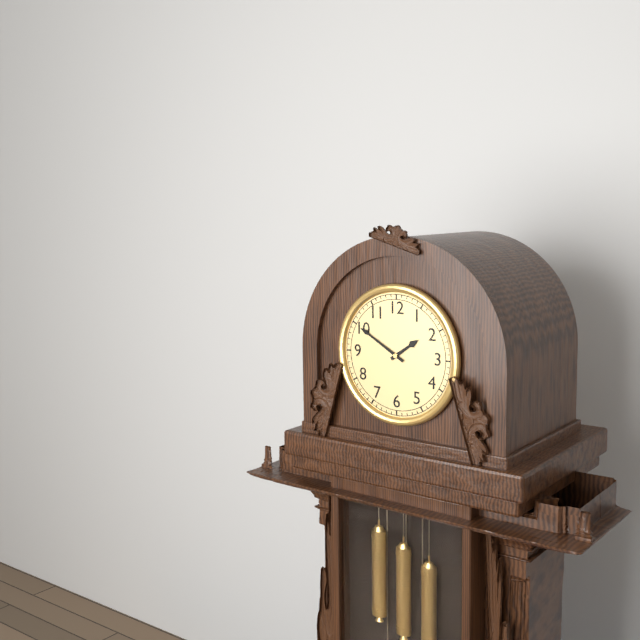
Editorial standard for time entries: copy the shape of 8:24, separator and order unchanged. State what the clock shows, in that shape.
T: 1:50
